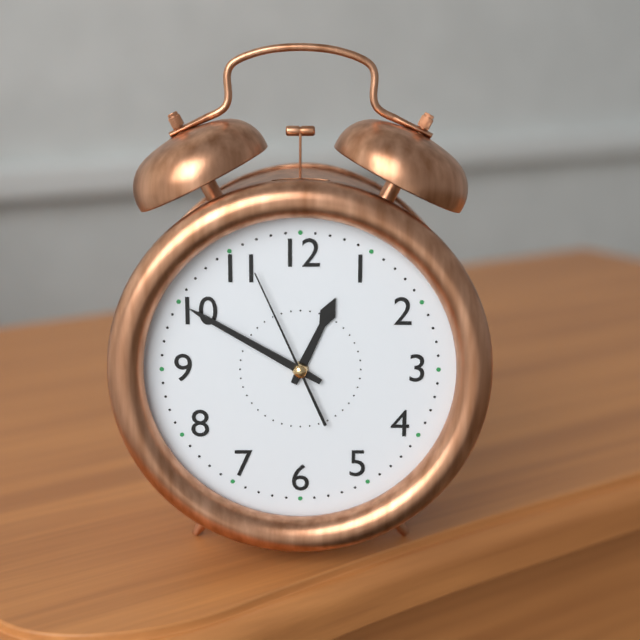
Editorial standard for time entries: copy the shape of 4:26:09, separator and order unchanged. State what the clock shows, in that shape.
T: 12:50:56
